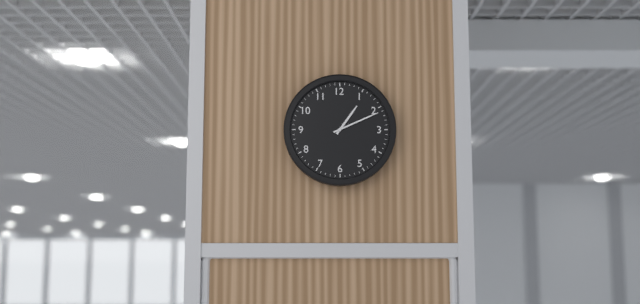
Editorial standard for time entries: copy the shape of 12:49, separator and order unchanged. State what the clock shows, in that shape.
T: 1:11
